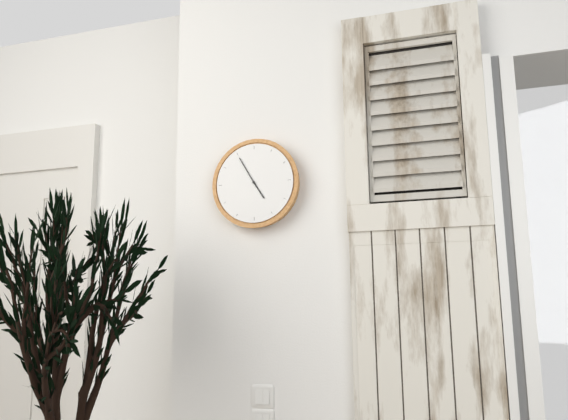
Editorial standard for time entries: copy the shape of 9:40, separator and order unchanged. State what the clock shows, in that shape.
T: 4:55
